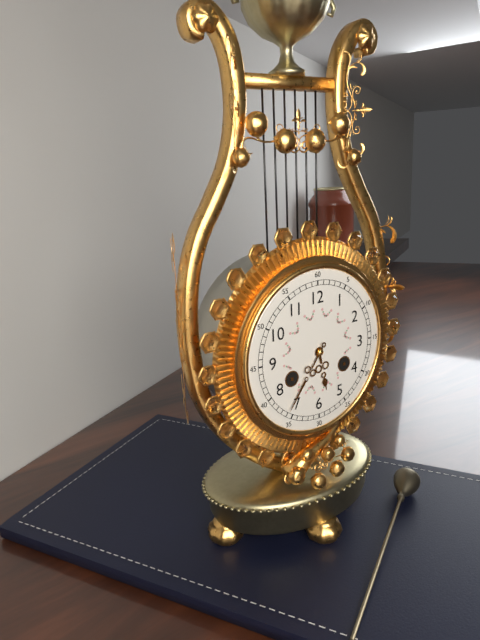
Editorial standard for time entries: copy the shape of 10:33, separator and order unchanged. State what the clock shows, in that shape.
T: 5:36
